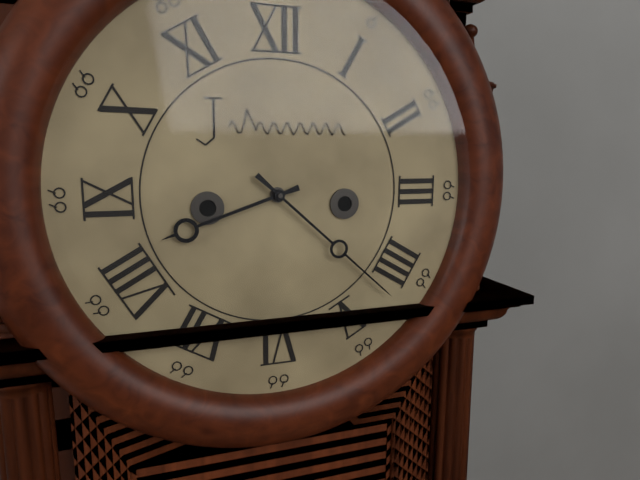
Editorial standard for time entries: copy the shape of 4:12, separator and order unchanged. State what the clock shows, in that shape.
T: 8:22
